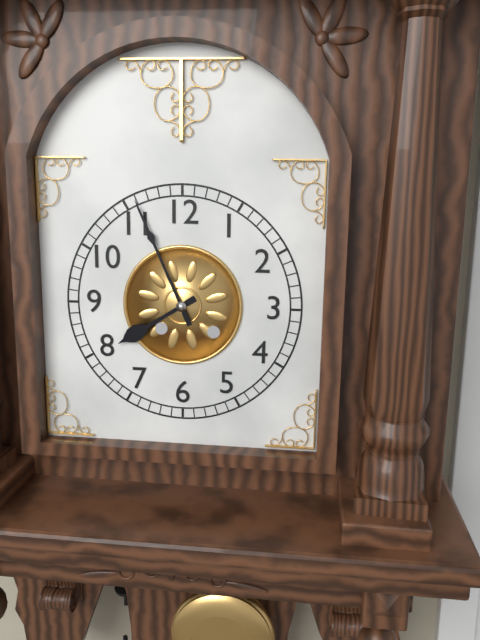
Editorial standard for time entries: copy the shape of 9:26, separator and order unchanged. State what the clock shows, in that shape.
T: 7:56
